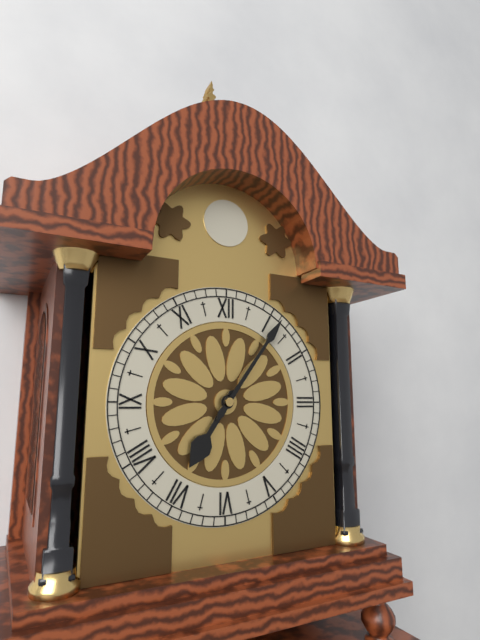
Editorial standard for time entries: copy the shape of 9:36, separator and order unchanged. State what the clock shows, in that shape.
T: 7:06
